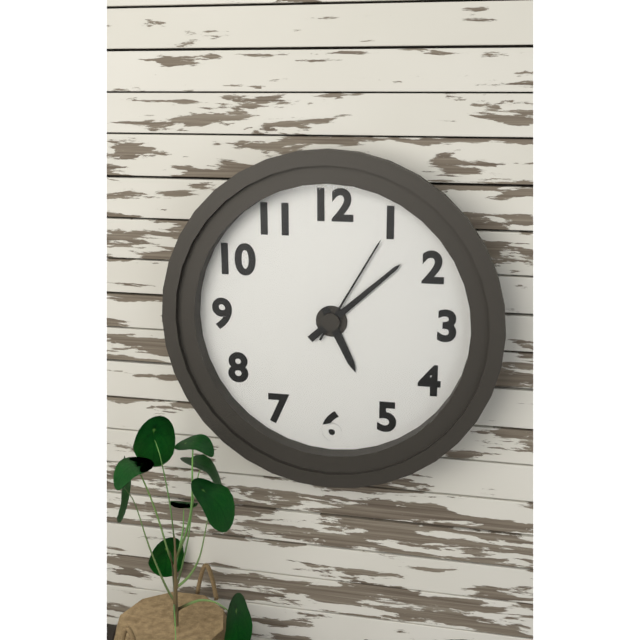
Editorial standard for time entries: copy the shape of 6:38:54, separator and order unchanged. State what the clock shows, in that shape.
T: 5:08:05
